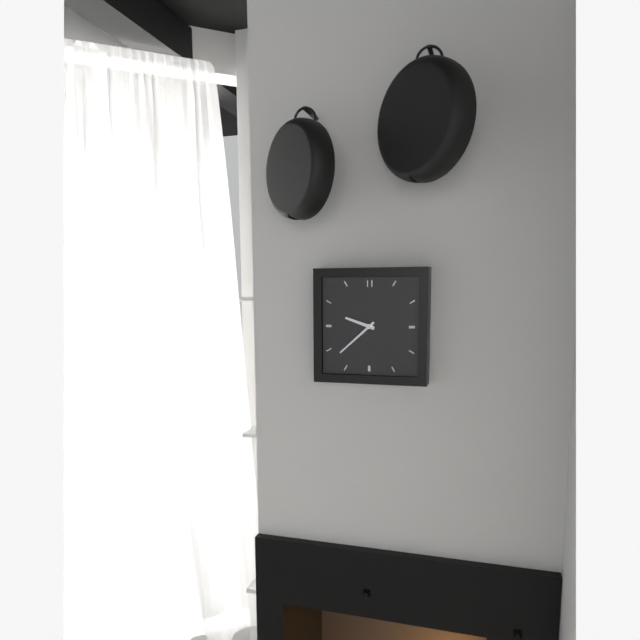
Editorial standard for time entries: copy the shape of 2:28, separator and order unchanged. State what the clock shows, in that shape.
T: 9:38
